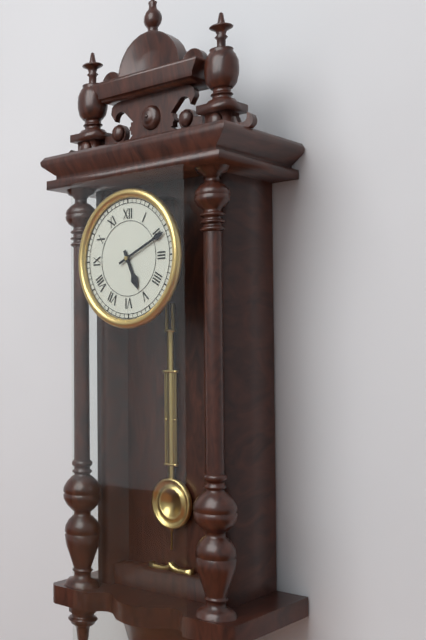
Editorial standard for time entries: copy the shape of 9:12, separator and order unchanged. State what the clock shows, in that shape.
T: 5:11
